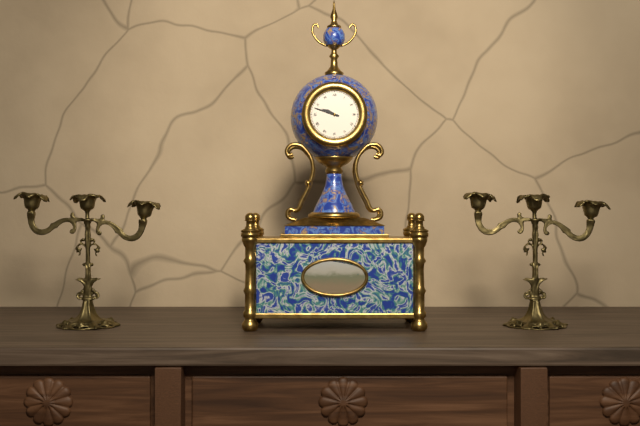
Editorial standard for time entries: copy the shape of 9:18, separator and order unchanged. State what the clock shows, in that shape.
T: 9:48
